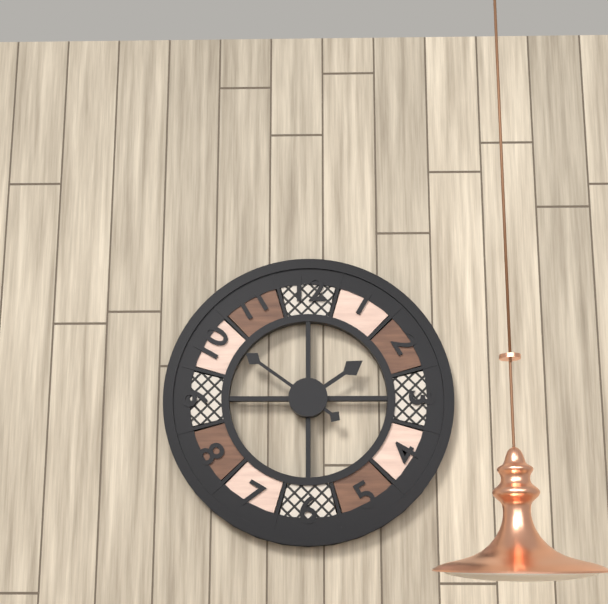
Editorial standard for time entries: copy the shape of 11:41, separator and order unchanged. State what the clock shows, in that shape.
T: 1:51
